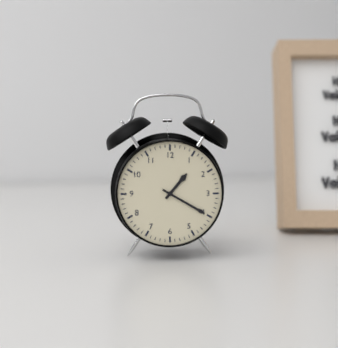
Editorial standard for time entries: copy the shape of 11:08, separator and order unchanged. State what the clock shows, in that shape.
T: 1:20
